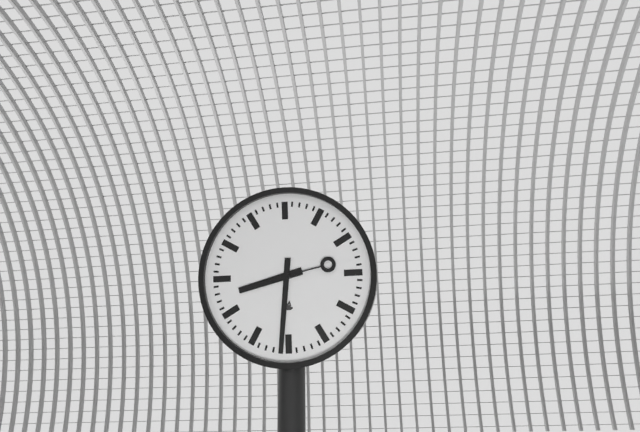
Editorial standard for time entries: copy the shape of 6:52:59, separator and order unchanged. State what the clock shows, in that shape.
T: 8:31:13
